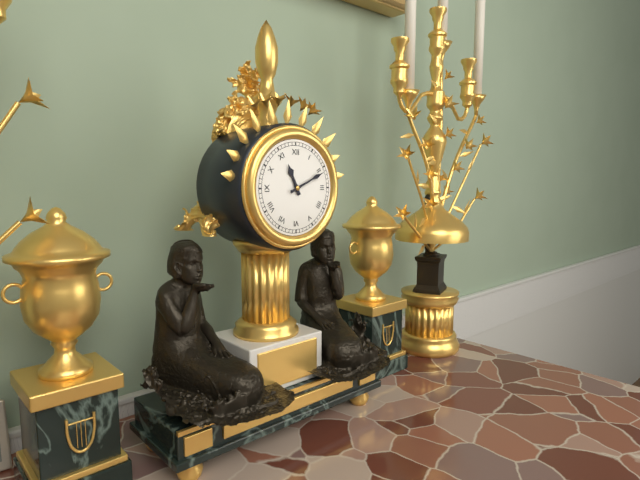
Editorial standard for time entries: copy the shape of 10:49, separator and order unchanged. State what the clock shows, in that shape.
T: 11:11
